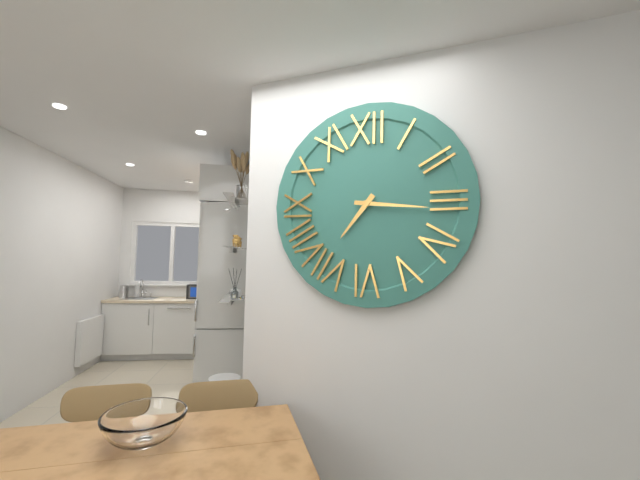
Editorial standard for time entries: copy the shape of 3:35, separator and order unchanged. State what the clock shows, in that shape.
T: 7:16
